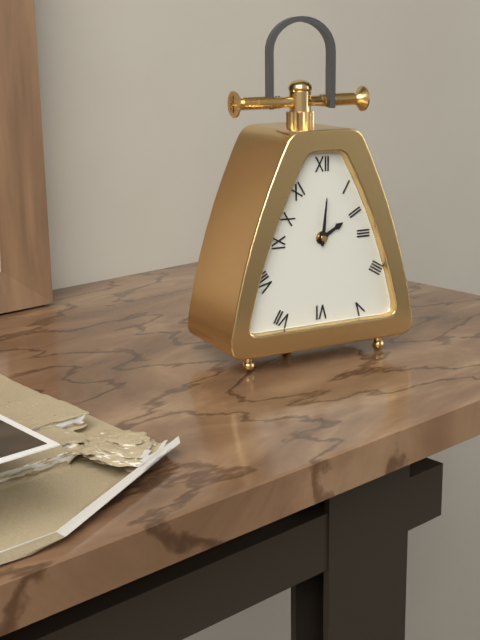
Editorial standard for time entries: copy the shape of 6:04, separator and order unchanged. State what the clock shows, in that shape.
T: 2:01
